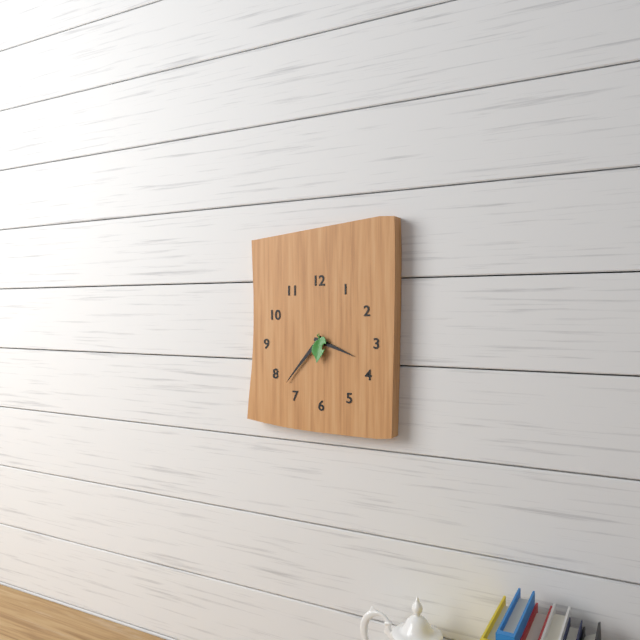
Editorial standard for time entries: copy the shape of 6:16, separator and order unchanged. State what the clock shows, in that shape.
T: 3:37
